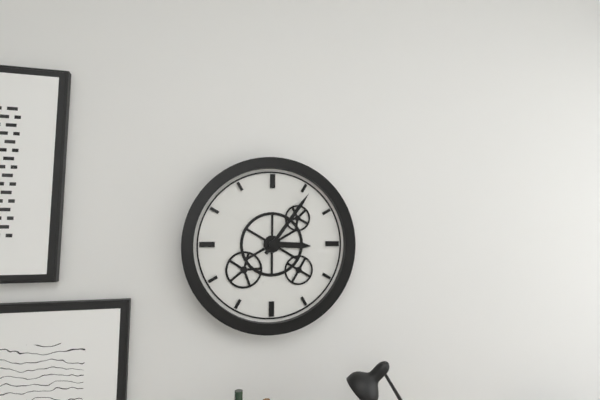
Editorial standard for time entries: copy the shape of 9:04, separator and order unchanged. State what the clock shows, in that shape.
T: 3:06
